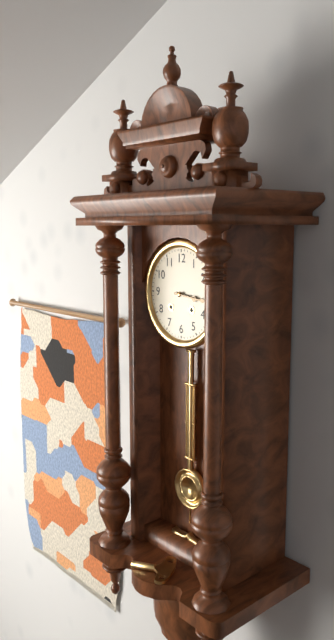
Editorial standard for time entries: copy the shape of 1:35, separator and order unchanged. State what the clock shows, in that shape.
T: 3:16
